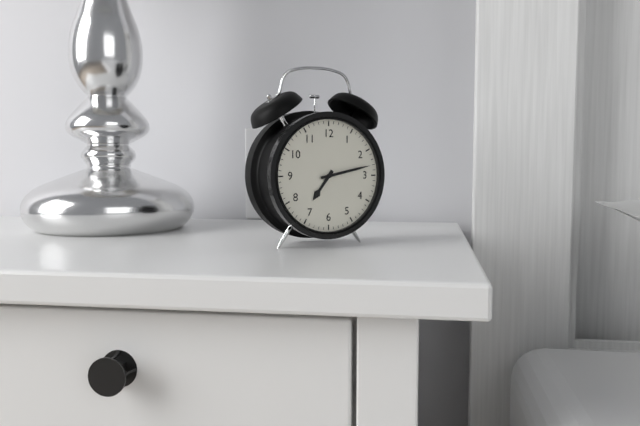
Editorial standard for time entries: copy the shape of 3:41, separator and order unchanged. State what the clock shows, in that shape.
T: 7:13
